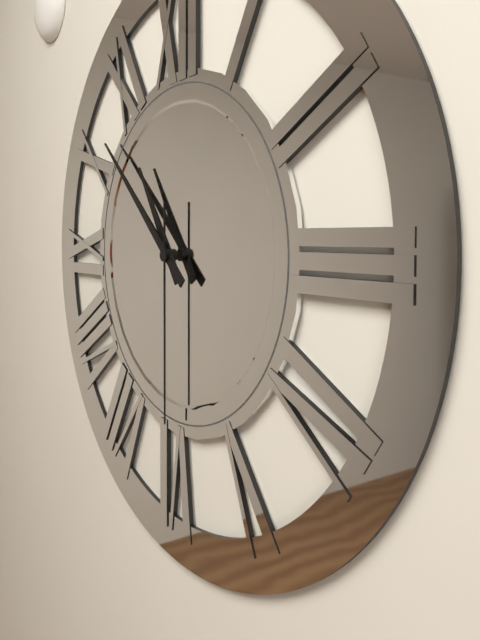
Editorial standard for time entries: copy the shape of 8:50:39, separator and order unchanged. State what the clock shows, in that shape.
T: 10:52:30
